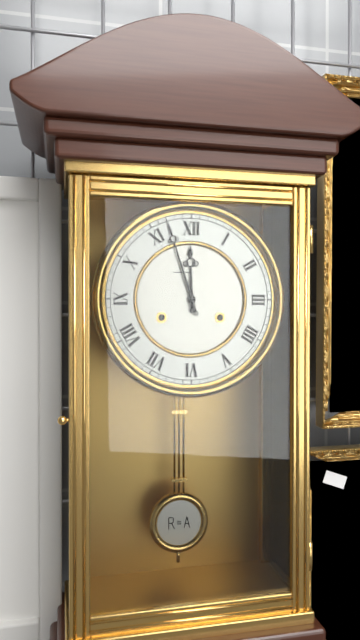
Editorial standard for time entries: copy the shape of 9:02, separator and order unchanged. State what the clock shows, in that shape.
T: 11:57
